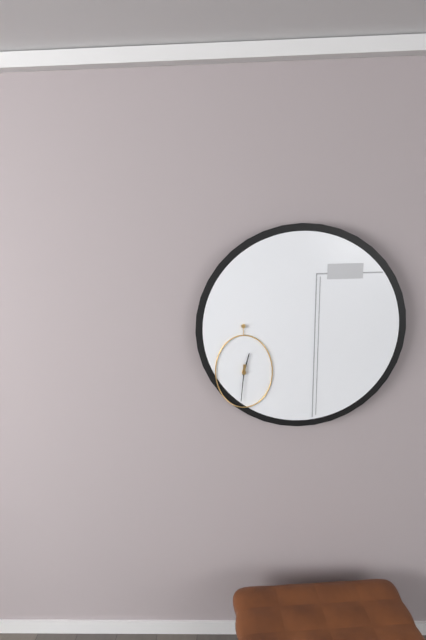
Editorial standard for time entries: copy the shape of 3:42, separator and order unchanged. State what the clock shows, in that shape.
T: 12:31
